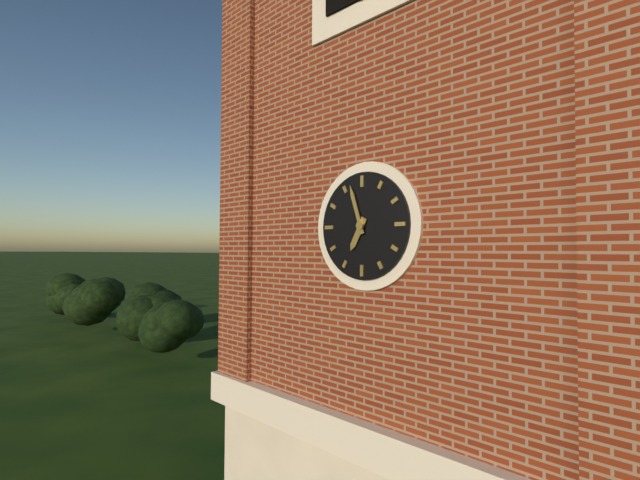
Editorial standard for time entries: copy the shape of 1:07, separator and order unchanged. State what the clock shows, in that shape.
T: 6:57
